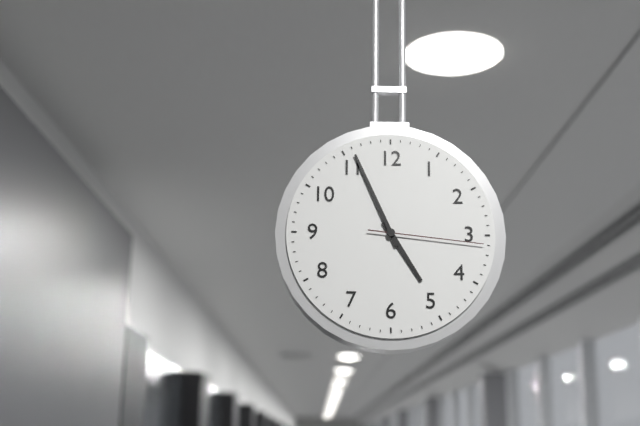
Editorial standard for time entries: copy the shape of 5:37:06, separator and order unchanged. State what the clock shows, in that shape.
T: 4:56:16
